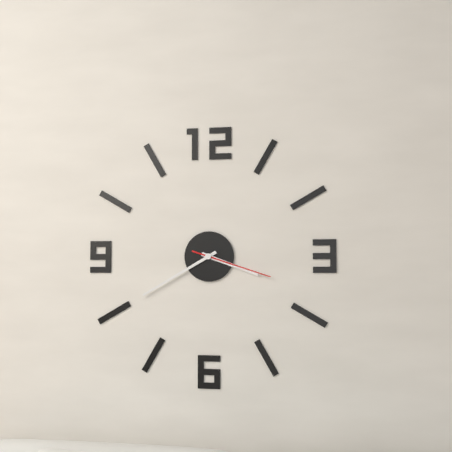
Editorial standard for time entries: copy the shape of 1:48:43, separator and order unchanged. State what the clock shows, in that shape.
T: 3:40:18
